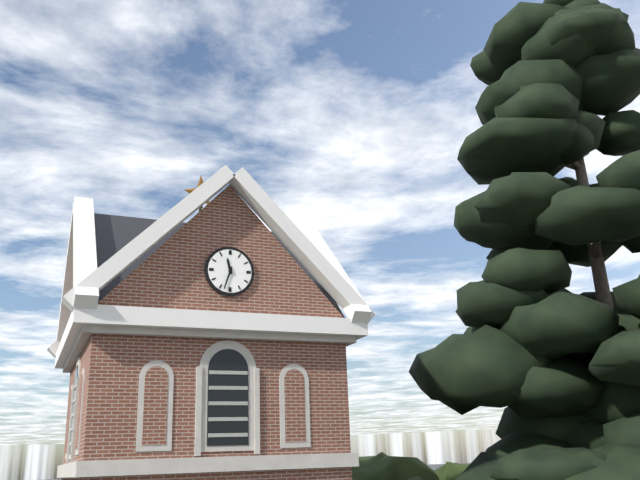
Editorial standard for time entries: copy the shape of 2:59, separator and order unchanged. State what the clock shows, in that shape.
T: 11:33
